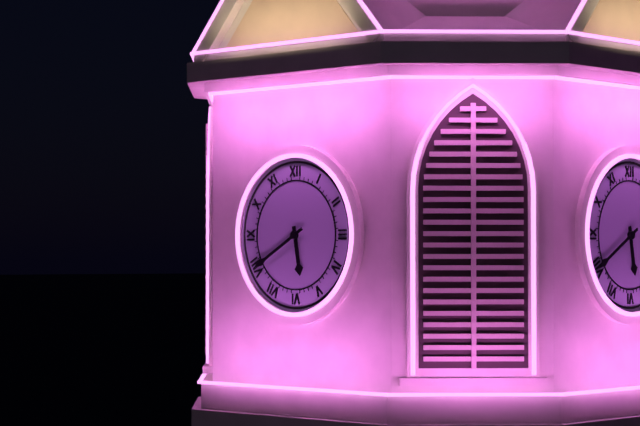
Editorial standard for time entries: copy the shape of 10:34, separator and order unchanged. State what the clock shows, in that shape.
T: 5:40
